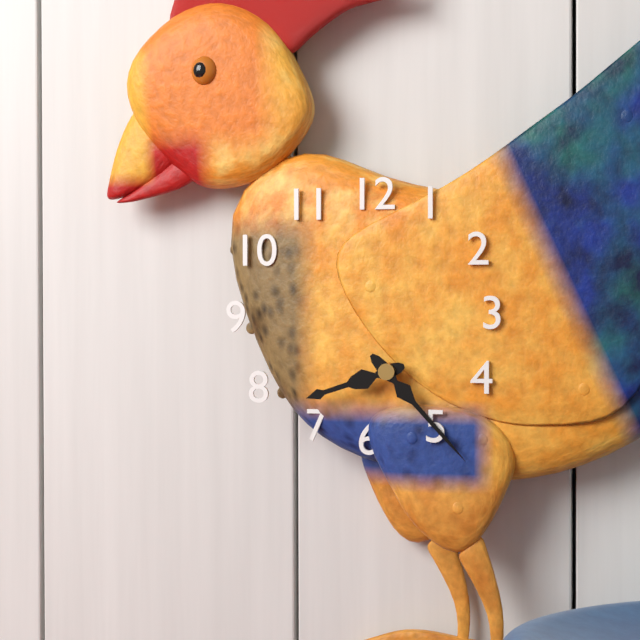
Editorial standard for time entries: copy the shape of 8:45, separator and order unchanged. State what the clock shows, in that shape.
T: 8:23
